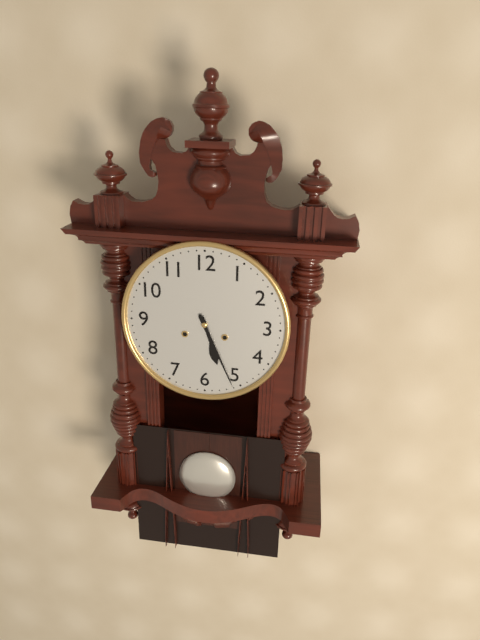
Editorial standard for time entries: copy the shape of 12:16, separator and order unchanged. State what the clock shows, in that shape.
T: 5:26
